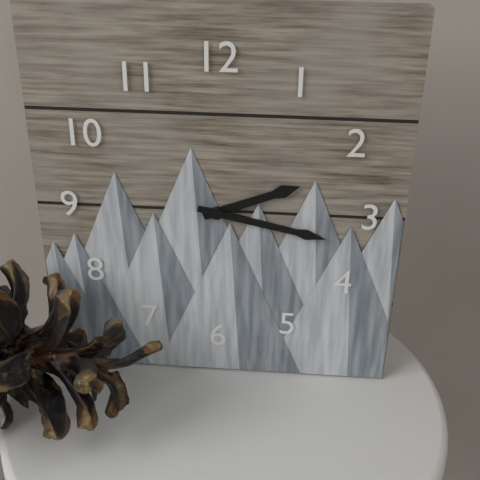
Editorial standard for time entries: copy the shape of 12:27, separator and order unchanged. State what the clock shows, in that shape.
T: 2:17
